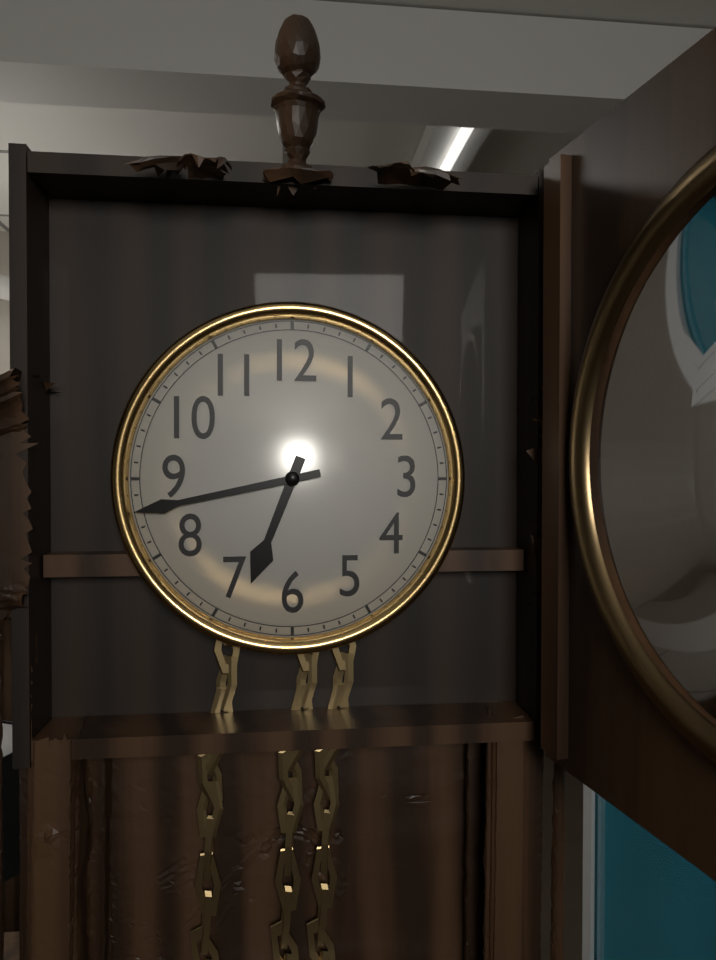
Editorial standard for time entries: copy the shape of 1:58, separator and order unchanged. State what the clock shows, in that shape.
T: 6:43
